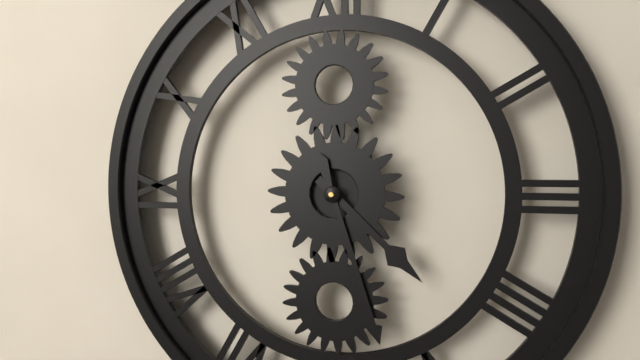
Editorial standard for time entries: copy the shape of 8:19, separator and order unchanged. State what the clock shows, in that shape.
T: 4:27
